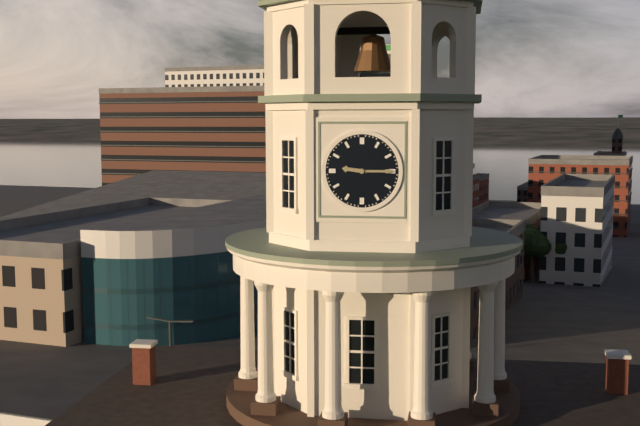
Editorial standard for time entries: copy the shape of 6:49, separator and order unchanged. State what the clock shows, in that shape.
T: 9:15
